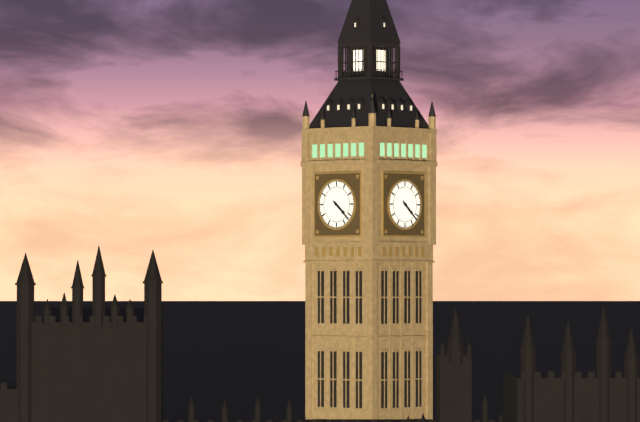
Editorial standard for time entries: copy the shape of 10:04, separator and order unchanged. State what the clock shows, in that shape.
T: 4:22
